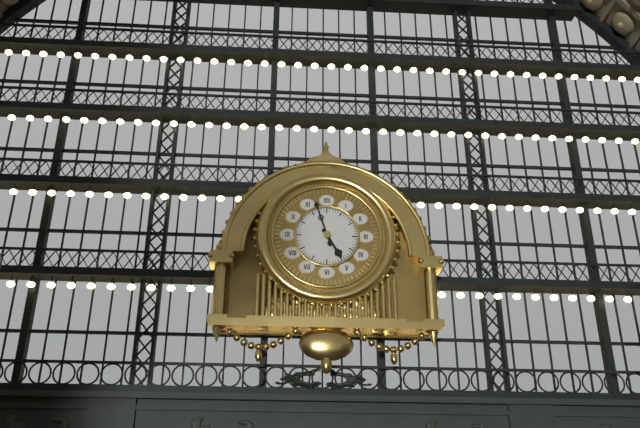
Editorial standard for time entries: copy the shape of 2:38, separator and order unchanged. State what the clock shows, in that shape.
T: 4:57
